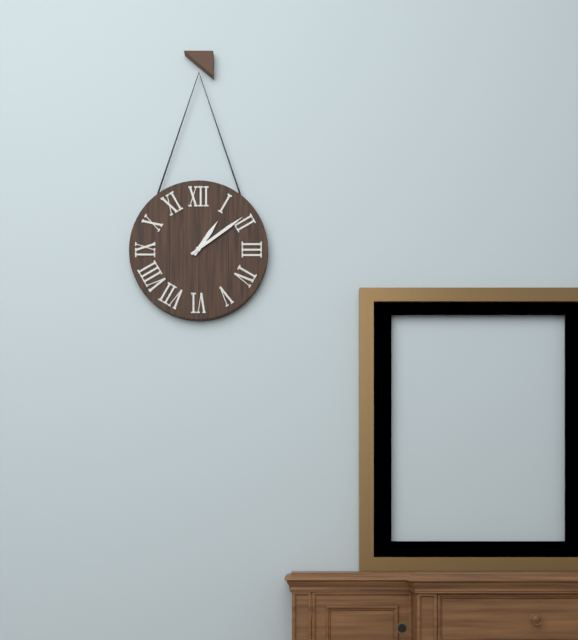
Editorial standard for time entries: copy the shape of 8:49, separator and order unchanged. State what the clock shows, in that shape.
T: 1:09
